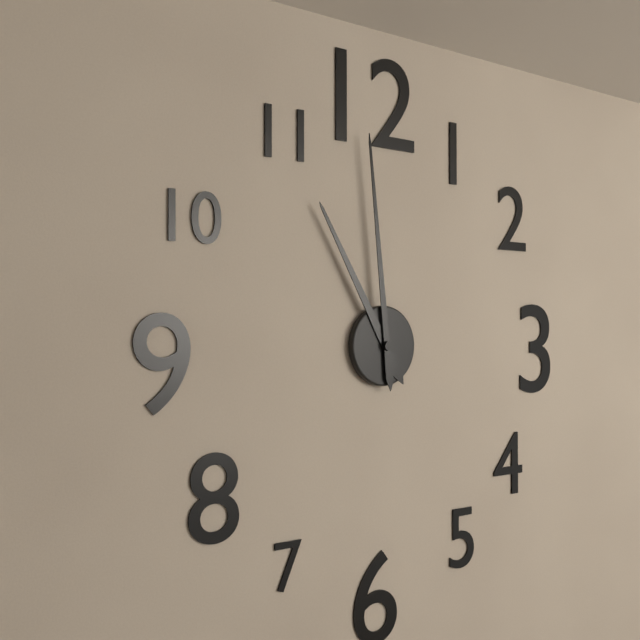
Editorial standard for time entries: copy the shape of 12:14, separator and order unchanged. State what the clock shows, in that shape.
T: 10:59
